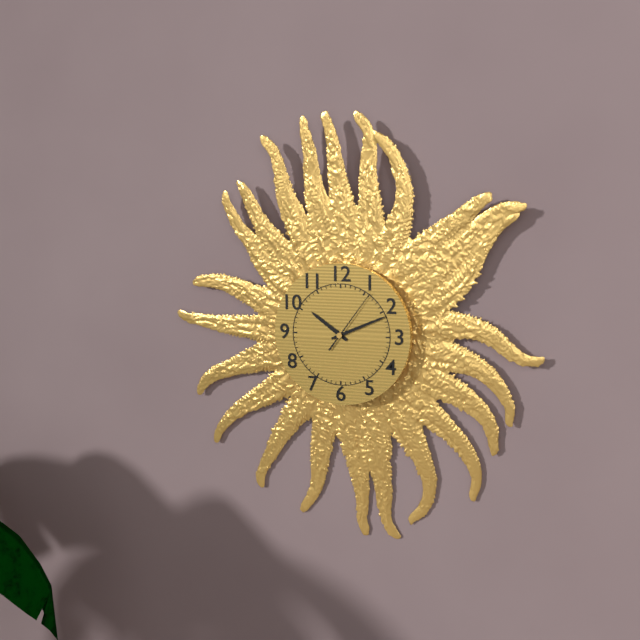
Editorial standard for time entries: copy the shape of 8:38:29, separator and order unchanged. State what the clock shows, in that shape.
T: 10:11:06
